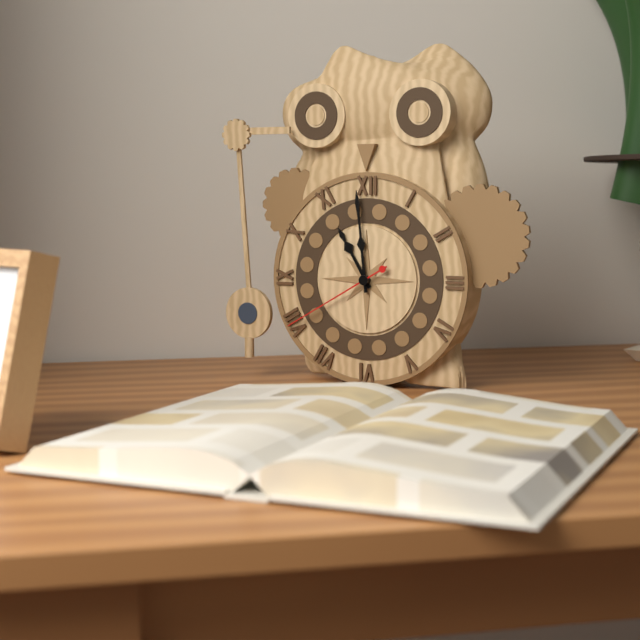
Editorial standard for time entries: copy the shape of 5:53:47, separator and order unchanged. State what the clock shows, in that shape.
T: 10:59:40
